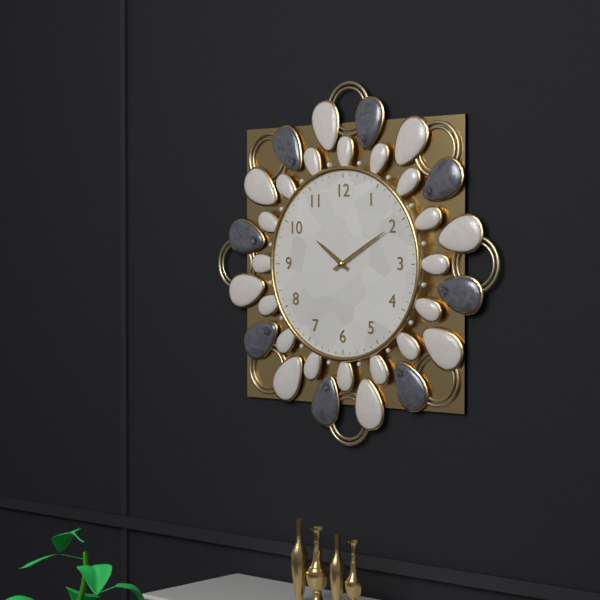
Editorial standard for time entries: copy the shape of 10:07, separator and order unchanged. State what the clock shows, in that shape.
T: 10:10
